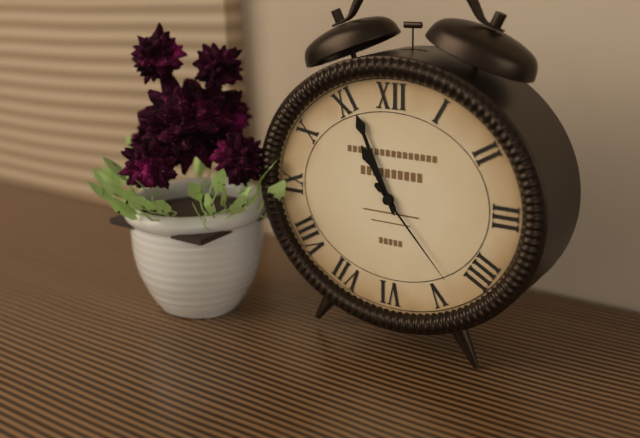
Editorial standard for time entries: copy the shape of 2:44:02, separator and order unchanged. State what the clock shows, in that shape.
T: 10:56:23
